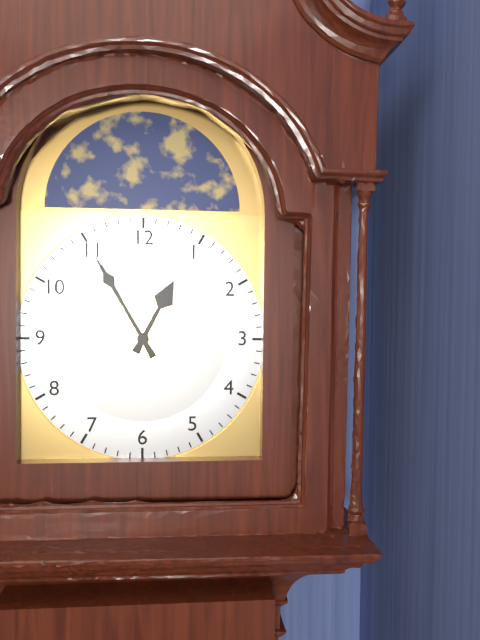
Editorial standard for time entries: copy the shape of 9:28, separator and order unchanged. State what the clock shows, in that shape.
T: 12:55
